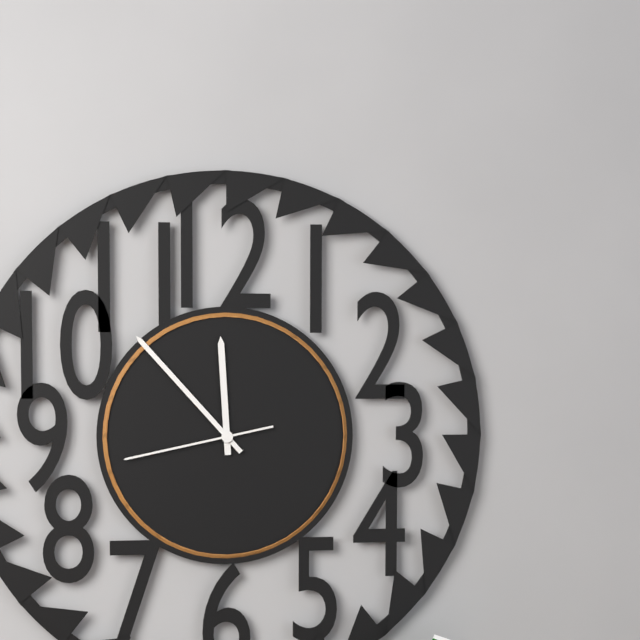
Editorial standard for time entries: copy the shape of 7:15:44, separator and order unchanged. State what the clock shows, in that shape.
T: 11:53:43
